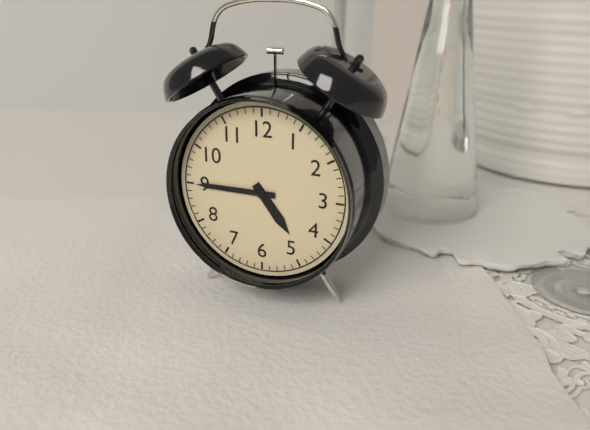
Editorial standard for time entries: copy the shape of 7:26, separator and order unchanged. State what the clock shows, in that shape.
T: 4:45
